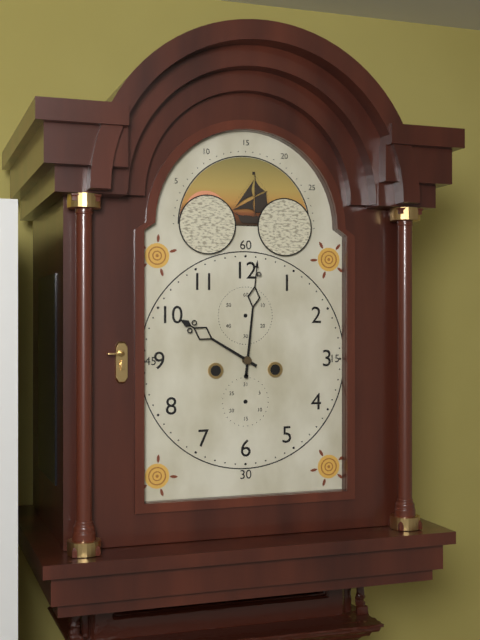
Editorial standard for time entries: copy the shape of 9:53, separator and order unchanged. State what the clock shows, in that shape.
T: 10:01
